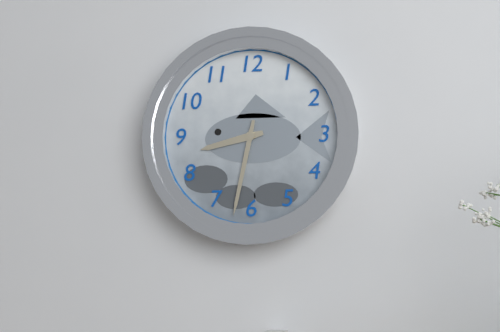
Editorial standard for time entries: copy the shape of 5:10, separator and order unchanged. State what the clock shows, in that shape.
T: 8:32
